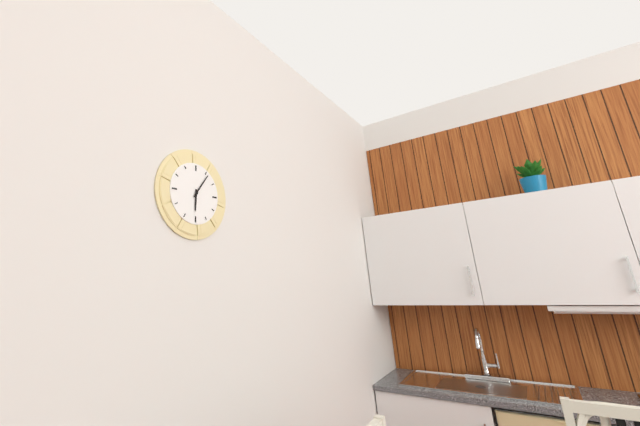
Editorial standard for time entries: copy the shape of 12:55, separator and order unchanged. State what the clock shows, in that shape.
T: 6:06
